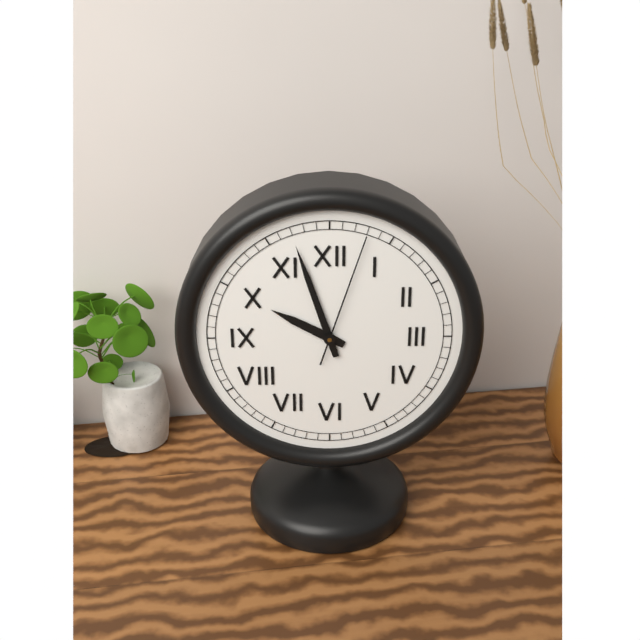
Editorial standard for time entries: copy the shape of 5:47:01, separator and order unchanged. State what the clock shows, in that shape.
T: 9:57:03
